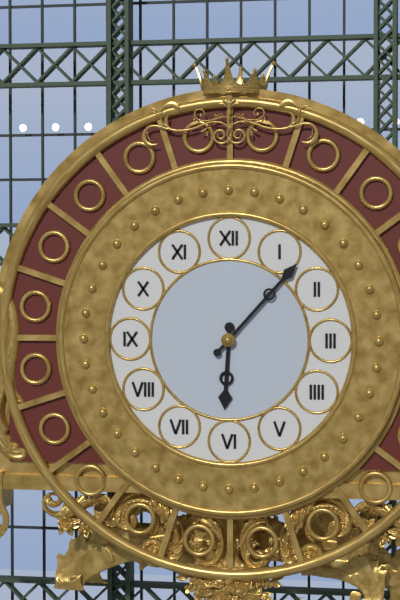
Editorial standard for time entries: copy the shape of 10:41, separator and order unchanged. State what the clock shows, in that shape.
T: 6:07
